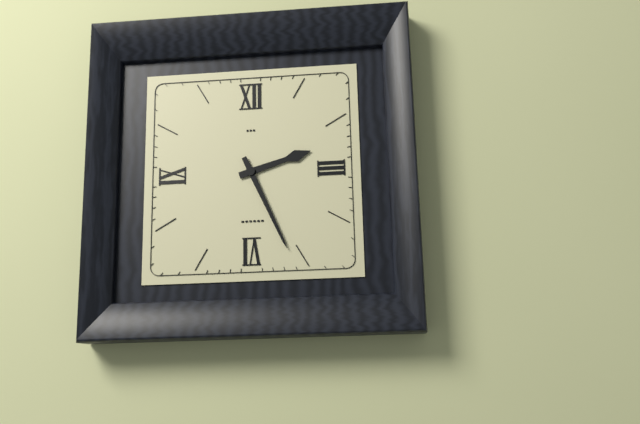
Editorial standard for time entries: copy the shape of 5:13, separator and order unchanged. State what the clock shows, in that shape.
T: 2:26
